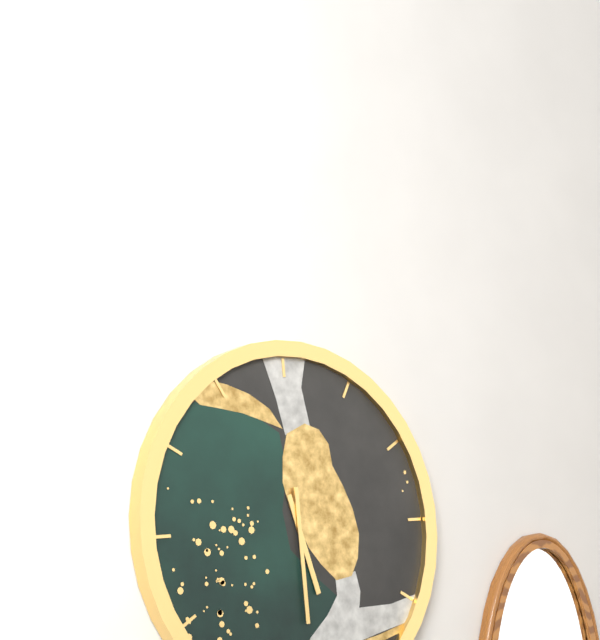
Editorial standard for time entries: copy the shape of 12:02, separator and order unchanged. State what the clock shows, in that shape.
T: 5:30
